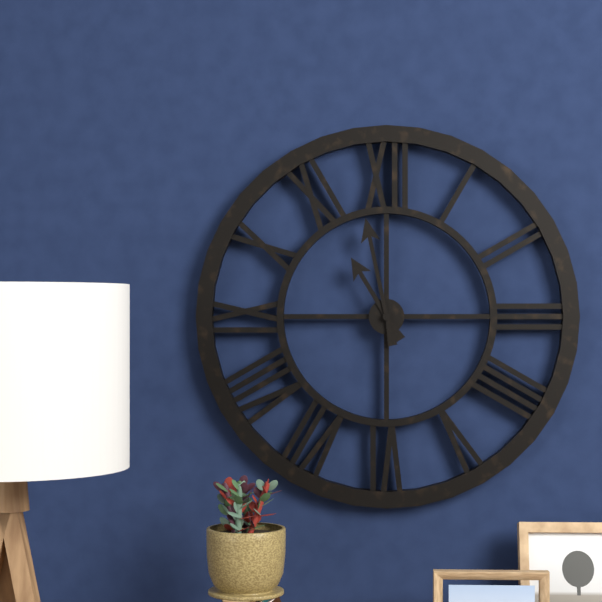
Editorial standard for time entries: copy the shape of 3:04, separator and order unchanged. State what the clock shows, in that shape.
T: 10:58
